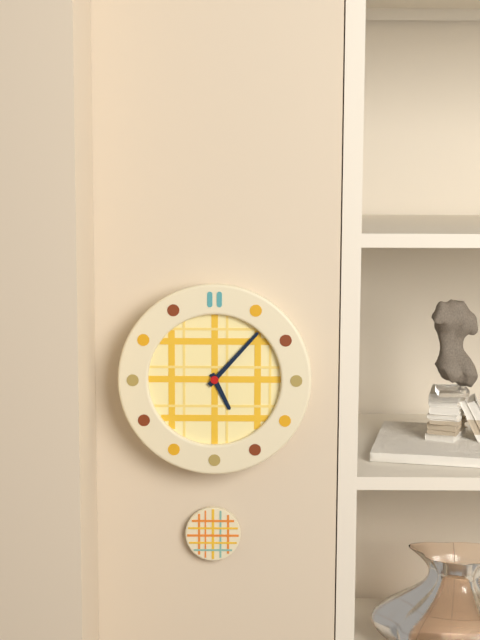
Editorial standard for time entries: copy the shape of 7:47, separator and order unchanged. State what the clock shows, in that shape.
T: 5:07
